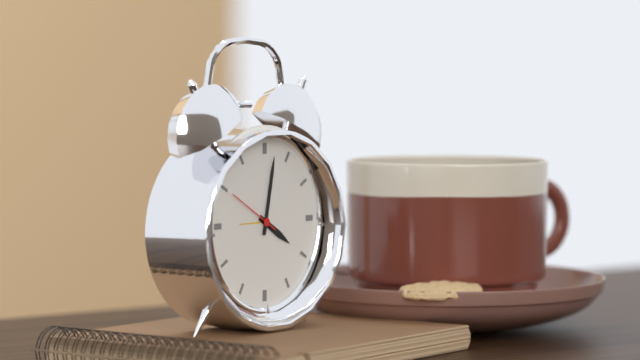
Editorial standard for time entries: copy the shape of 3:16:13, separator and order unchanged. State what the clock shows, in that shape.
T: 4:02:50
